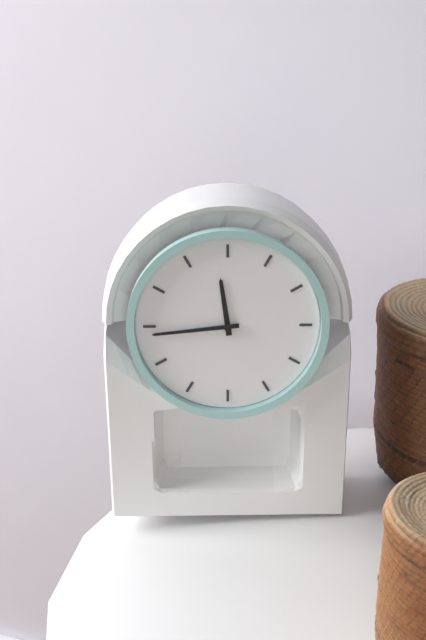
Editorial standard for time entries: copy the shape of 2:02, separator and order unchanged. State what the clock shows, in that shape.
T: 11:44
